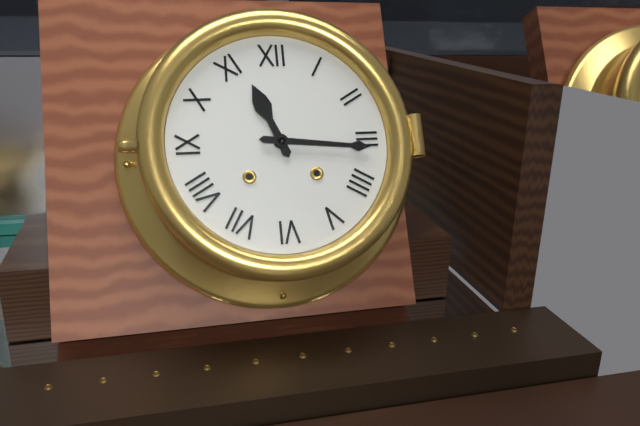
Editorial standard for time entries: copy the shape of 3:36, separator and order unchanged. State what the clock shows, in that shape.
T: 11:16
